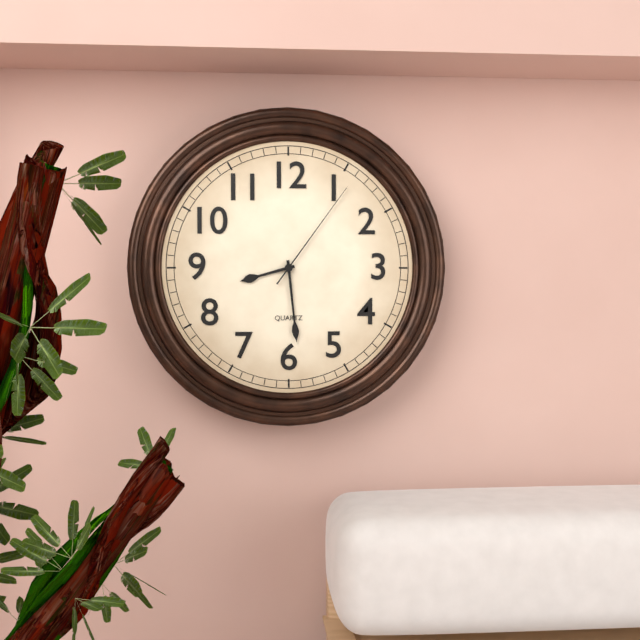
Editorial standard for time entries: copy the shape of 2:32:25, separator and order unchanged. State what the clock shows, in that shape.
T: 8:29:06
